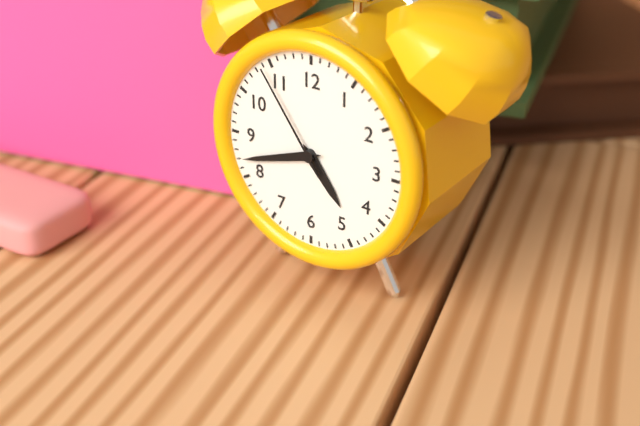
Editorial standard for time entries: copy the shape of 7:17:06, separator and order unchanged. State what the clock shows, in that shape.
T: 4:42:54
